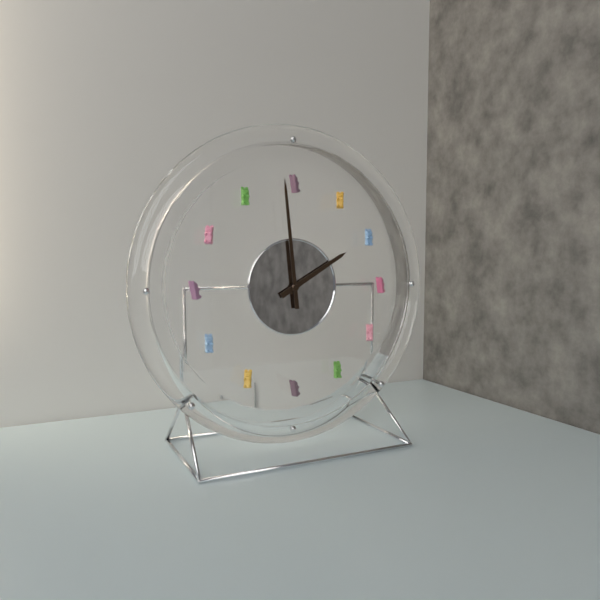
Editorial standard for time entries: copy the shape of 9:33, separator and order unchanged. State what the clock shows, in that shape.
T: 1:59
